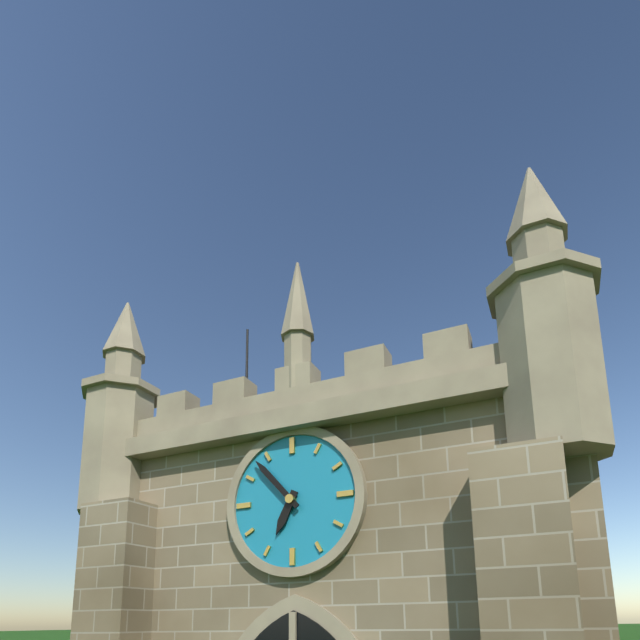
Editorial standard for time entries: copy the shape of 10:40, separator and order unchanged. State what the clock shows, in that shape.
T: 6:53
